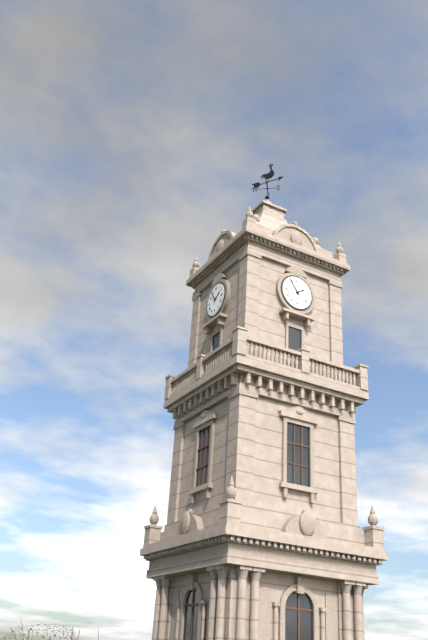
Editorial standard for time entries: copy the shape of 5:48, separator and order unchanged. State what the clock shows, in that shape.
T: 1:54
